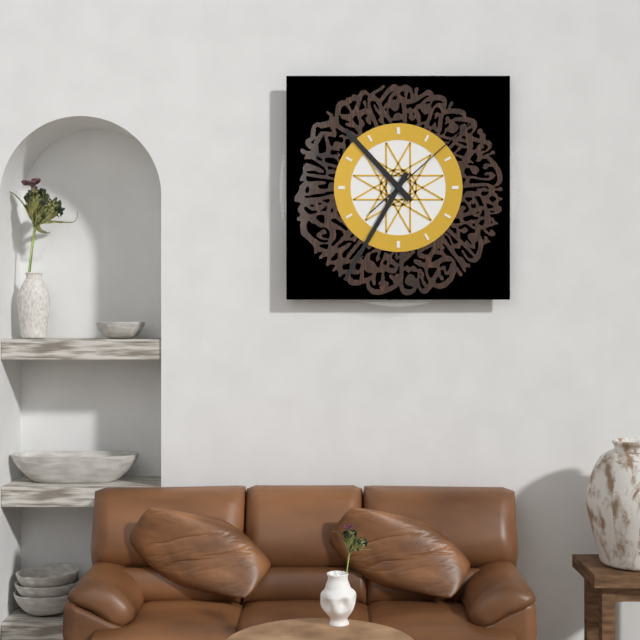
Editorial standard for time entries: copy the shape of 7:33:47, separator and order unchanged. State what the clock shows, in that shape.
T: 10:35:08
